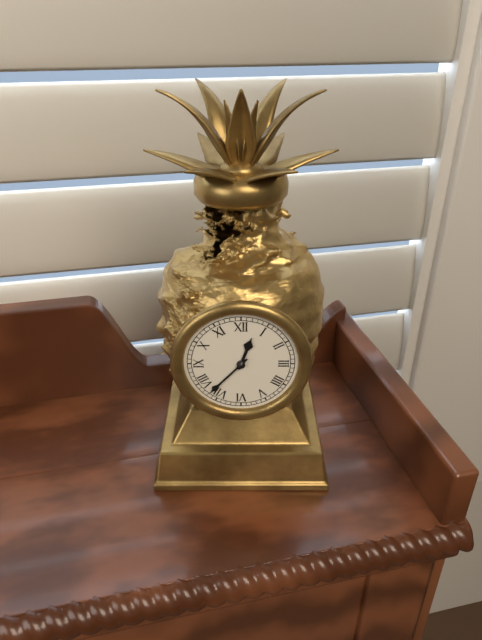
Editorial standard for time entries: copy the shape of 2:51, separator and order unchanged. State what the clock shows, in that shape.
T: 12:37
